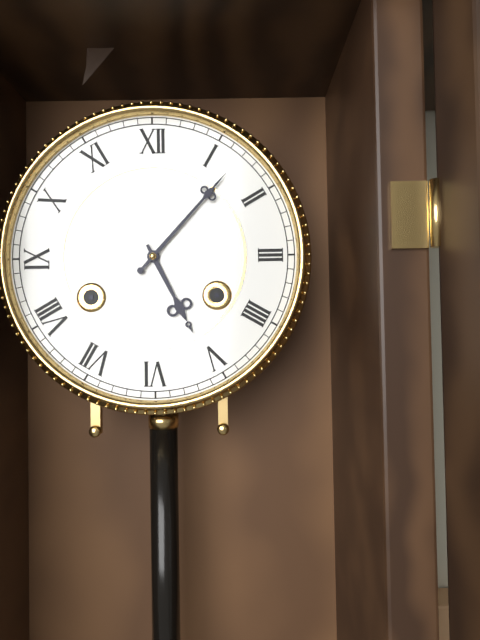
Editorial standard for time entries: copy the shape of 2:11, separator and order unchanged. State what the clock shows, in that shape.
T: 5:07
